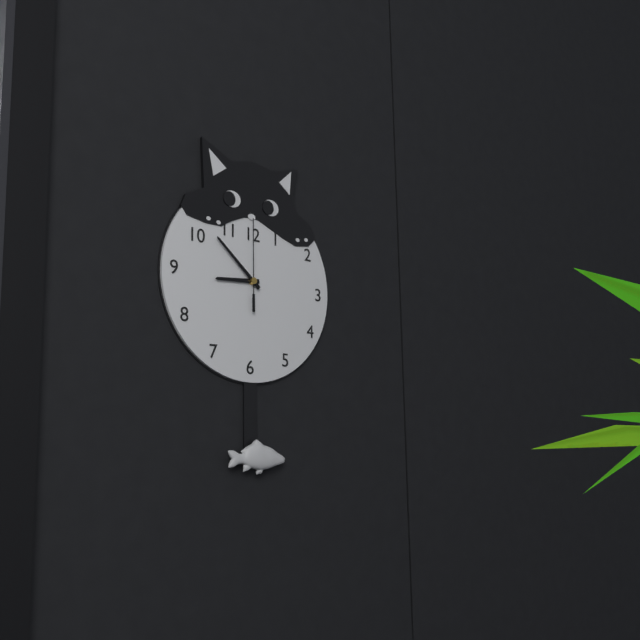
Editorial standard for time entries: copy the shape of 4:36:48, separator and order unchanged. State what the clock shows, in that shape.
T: 8:52:00
